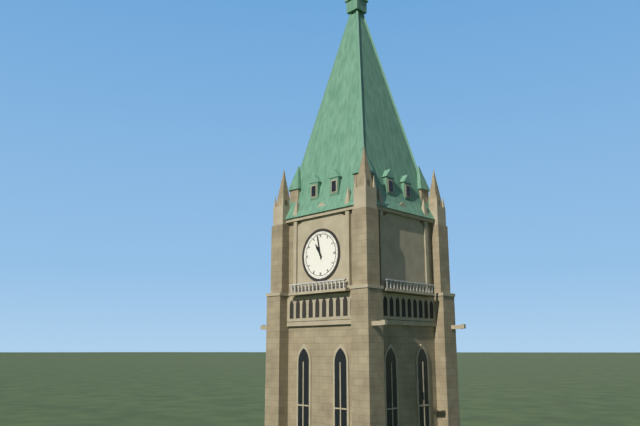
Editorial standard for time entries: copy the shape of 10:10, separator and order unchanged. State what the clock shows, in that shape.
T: 10:58
